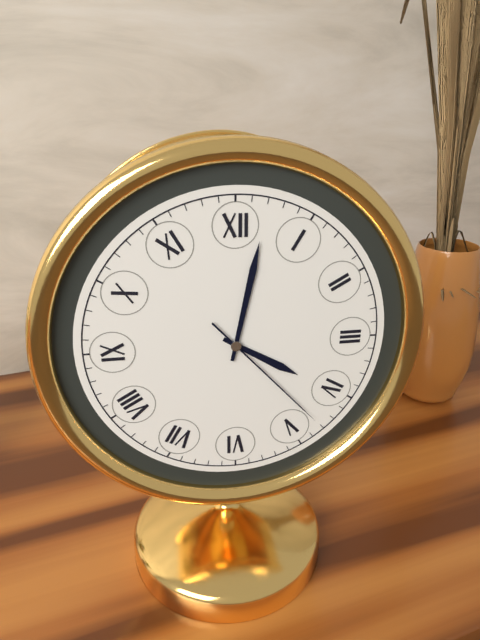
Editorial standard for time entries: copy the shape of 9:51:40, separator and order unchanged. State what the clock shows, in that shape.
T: 4:02:23
